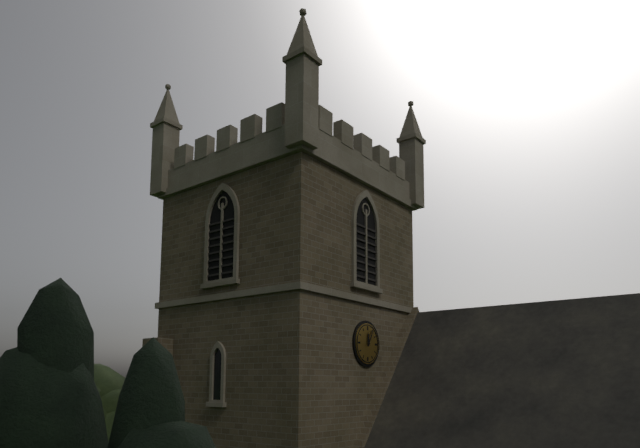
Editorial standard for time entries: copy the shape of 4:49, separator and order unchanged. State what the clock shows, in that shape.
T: 12:05
